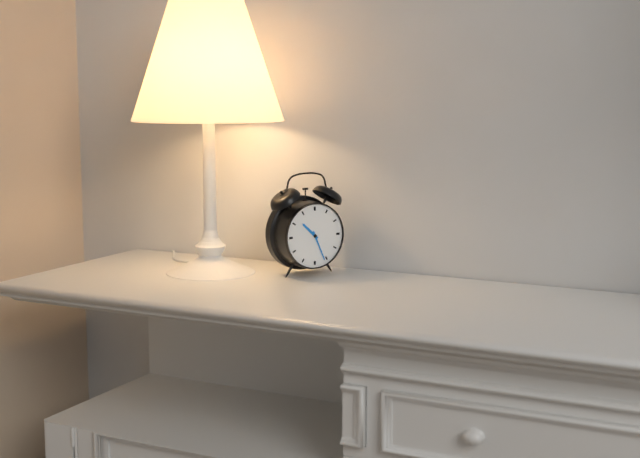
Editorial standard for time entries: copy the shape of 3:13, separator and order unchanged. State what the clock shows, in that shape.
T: 10:26
